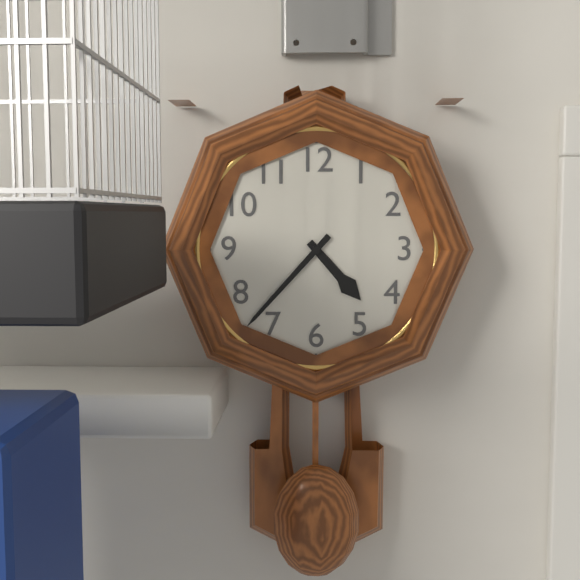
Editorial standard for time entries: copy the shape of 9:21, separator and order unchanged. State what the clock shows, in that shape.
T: 4:37
